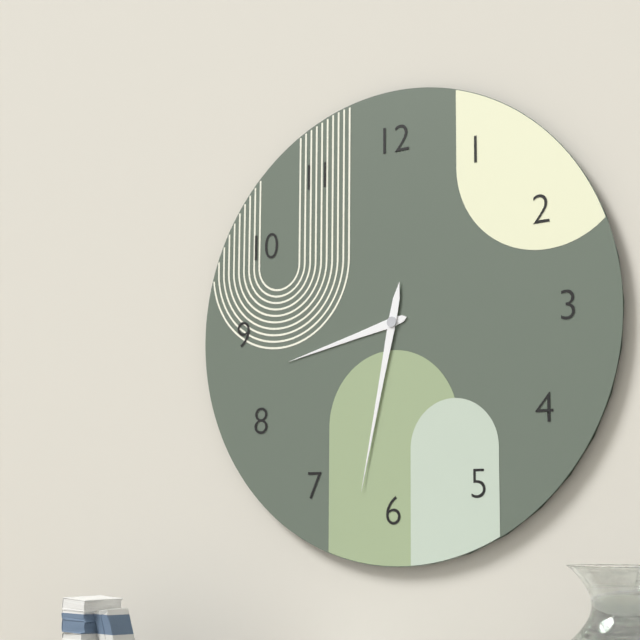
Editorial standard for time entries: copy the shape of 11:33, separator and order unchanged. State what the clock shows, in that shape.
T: 8:32
